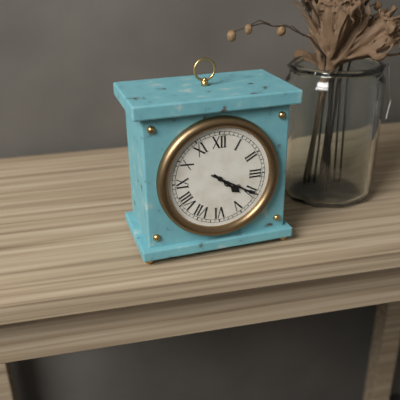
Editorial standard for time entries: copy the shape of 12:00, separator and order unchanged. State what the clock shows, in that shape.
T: 4:20
